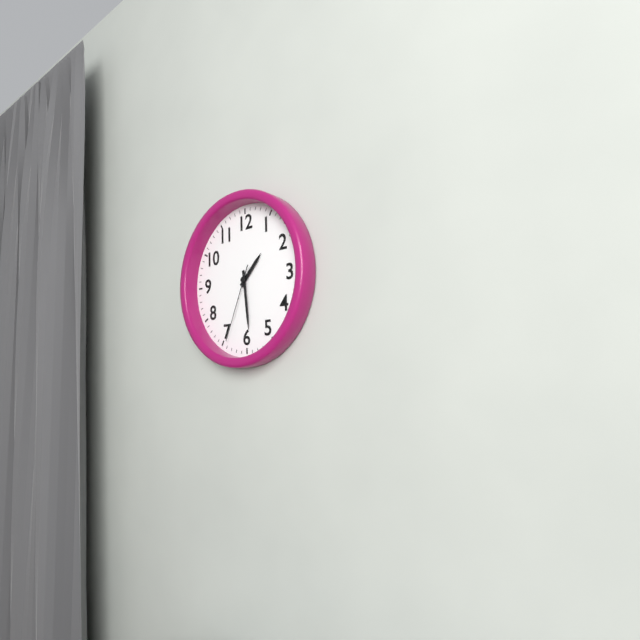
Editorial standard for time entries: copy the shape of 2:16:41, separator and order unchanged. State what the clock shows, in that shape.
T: 1:29:34
